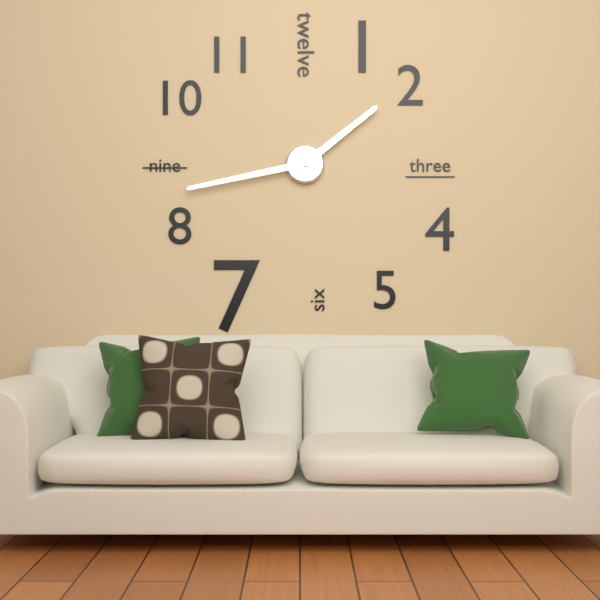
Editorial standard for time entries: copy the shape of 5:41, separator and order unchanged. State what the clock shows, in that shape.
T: 1:43
